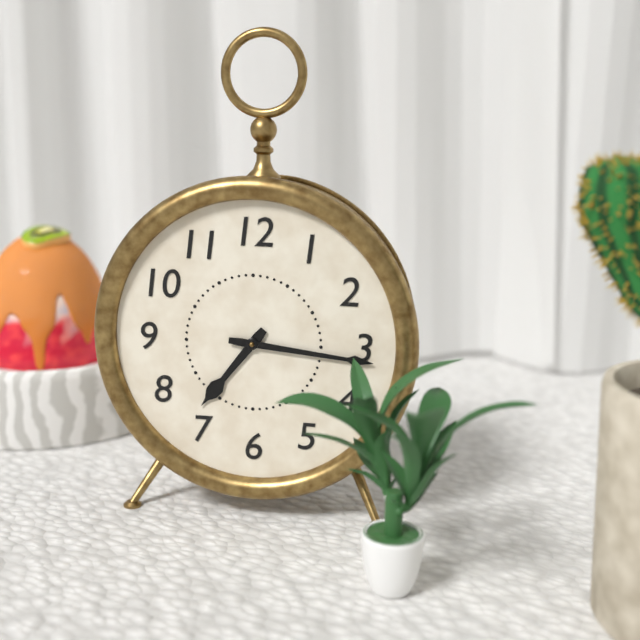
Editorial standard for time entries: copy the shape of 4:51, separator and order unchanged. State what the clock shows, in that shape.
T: 7:16
